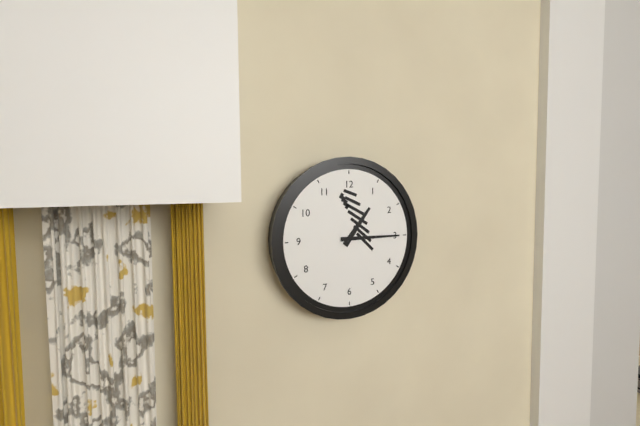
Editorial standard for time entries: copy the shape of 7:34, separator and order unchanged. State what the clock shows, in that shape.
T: 1:15
